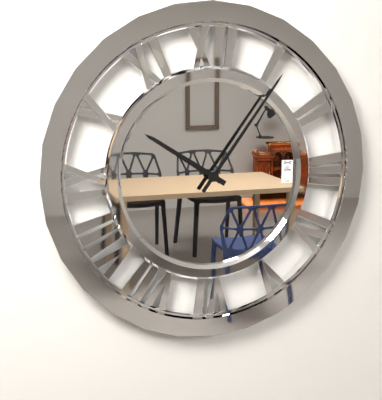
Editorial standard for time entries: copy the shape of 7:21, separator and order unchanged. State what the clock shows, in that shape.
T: 10:06
